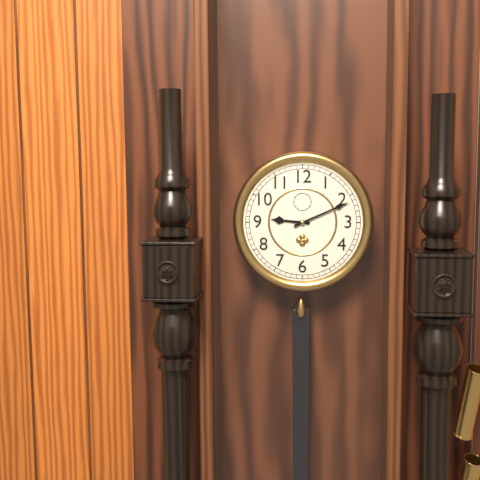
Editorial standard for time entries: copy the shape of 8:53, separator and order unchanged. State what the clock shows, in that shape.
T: 9:11
